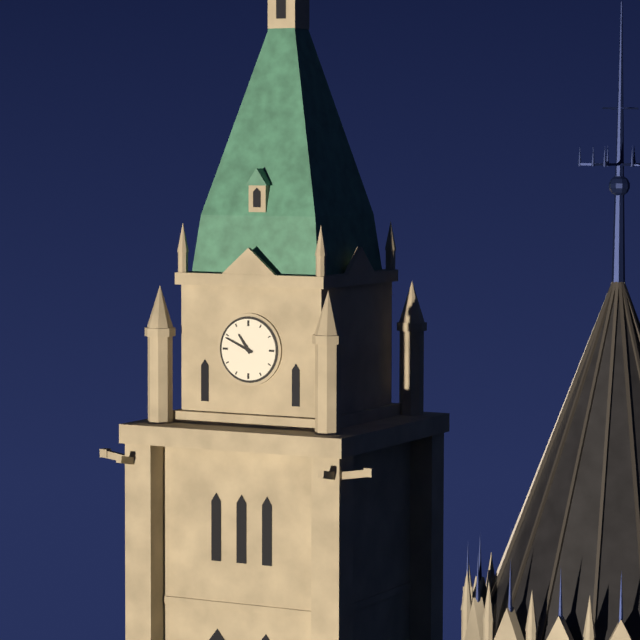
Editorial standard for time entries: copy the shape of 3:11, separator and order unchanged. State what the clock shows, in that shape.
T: 10:49
